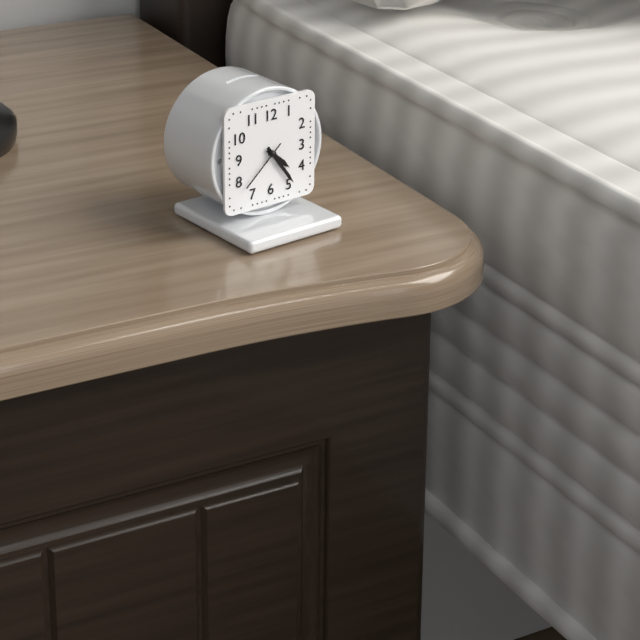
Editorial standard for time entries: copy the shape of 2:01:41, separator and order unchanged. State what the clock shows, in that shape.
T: 4:24:38
